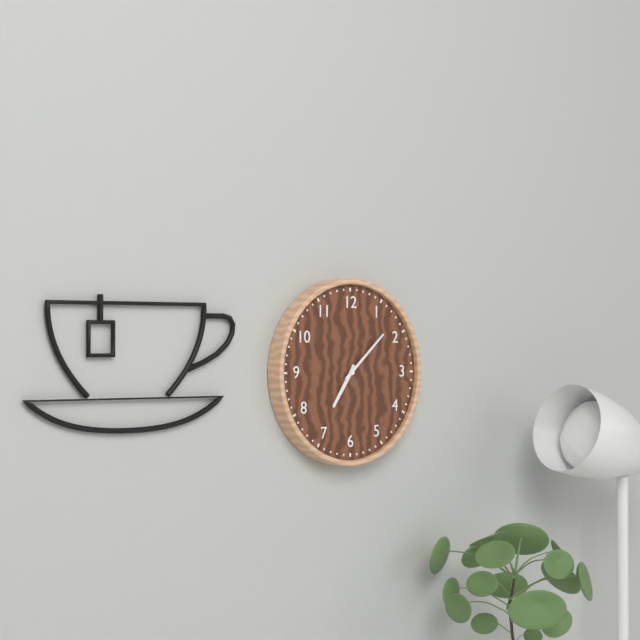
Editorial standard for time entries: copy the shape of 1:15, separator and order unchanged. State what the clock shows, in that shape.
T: 7:08
